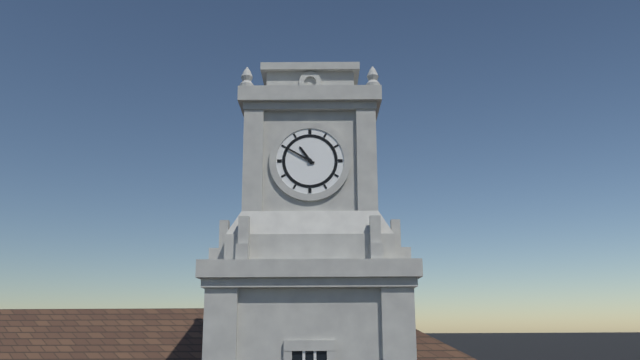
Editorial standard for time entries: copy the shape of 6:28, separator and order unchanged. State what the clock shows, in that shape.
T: 10:50
